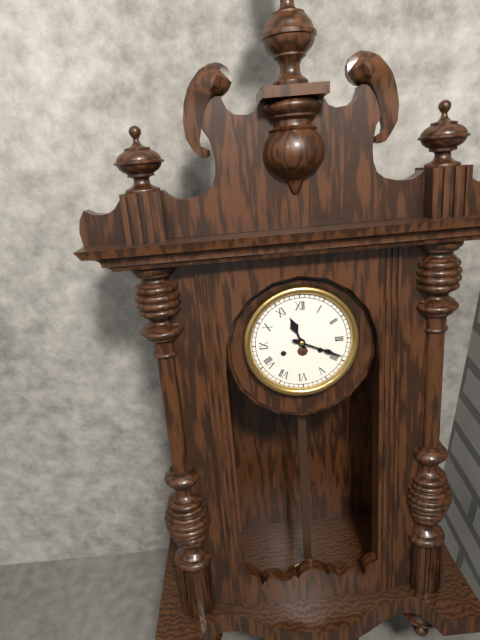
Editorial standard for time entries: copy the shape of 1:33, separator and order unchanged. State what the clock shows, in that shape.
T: 11:19
